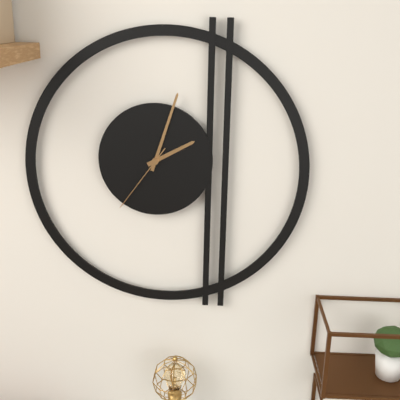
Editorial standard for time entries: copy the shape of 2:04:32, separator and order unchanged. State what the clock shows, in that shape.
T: 2:03:36
